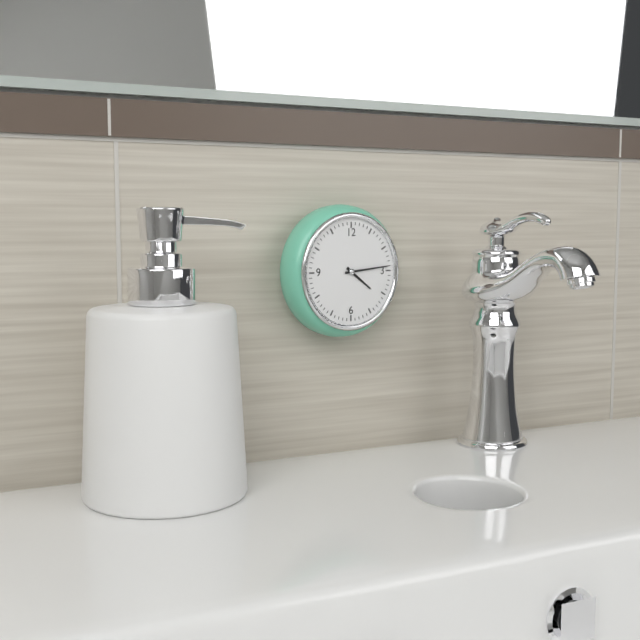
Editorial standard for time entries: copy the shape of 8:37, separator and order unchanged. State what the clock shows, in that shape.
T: 4:14
